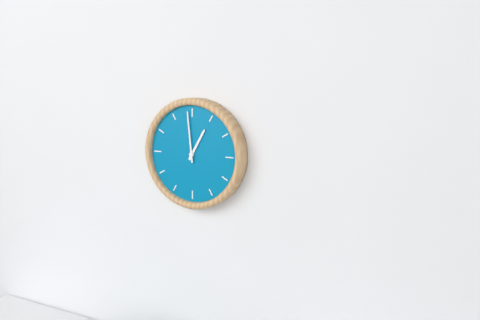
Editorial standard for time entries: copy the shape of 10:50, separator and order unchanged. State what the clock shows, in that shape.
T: 12:59
